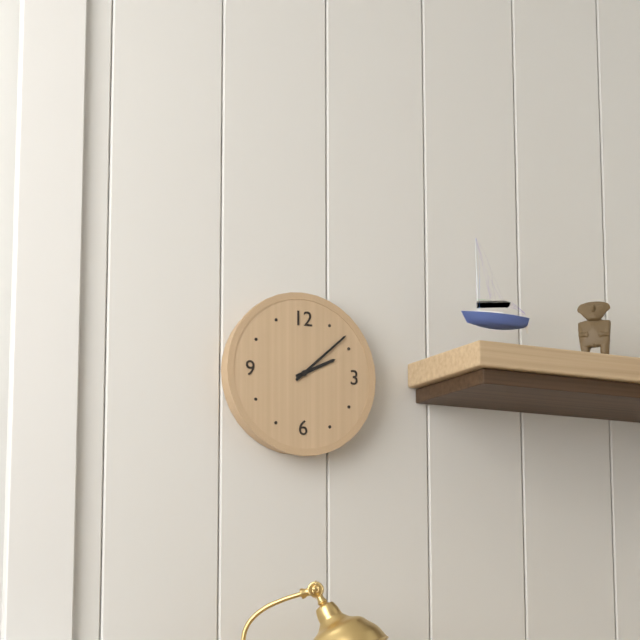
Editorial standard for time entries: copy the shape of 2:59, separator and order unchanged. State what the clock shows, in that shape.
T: 2:08
